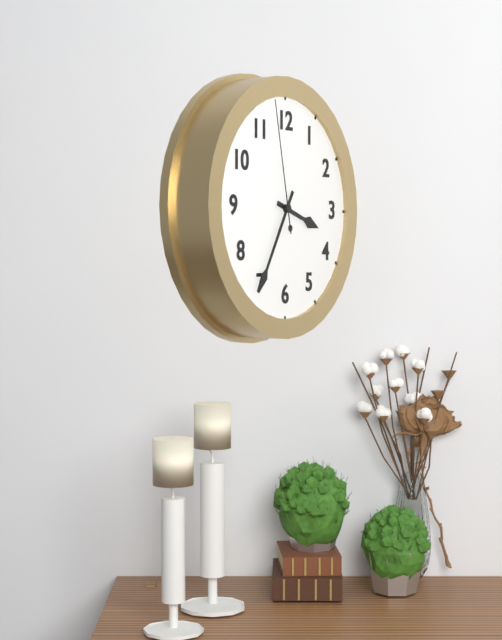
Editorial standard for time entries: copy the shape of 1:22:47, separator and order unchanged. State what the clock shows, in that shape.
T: 3:35:58
